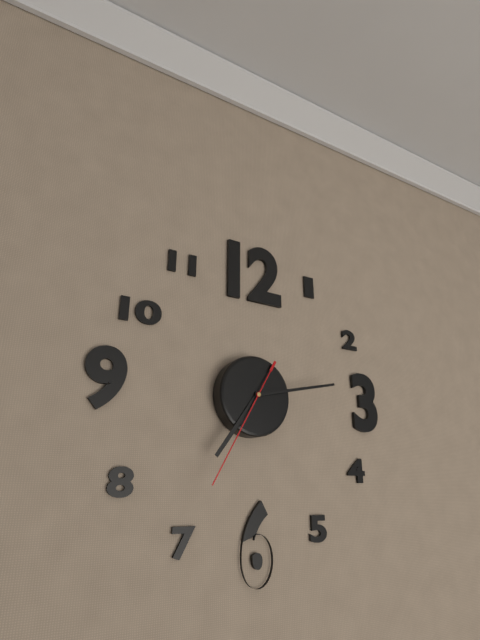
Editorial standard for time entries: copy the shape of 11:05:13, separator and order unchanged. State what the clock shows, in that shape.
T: 7:13:35
